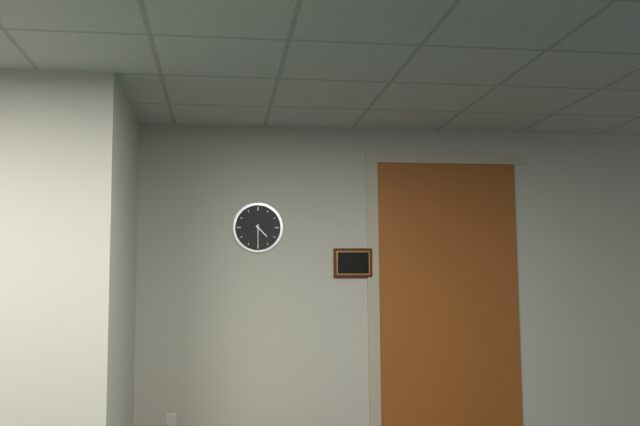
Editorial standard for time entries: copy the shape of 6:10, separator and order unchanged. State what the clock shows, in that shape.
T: 4:30
